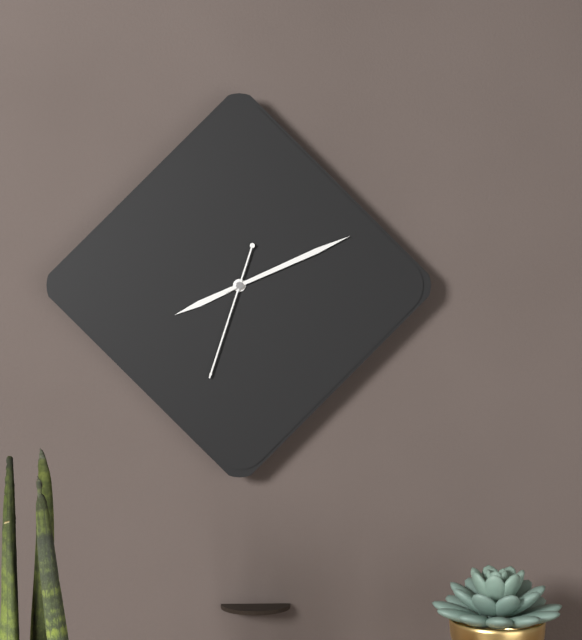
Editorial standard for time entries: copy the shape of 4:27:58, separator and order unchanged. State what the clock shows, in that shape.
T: 8:11:33
